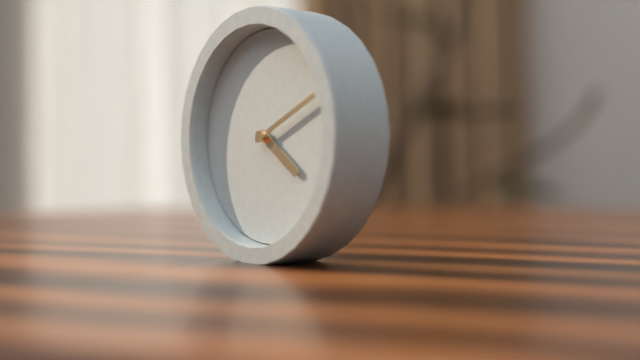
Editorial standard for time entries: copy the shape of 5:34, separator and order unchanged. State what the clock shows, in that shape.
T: 4:11
